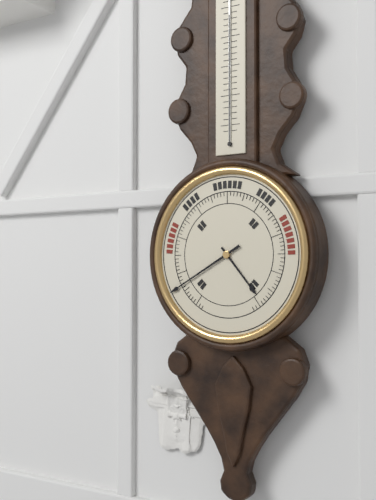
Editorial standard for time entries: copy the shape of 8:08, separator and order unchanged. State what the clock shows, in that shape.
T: 4:40
